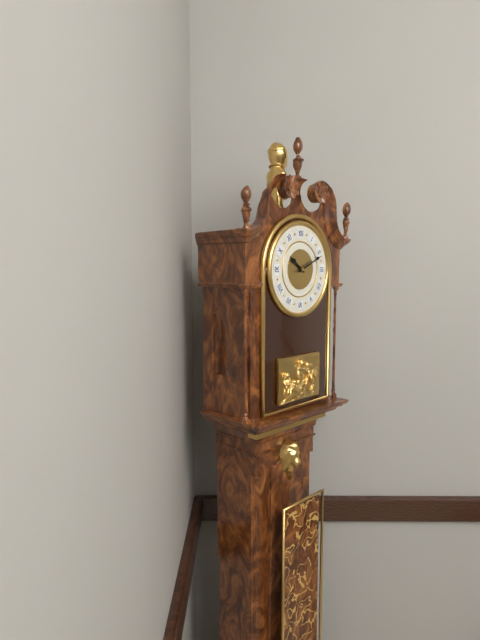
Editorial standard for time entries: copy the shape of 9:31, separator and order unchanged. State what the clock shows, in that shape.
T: 10:11
